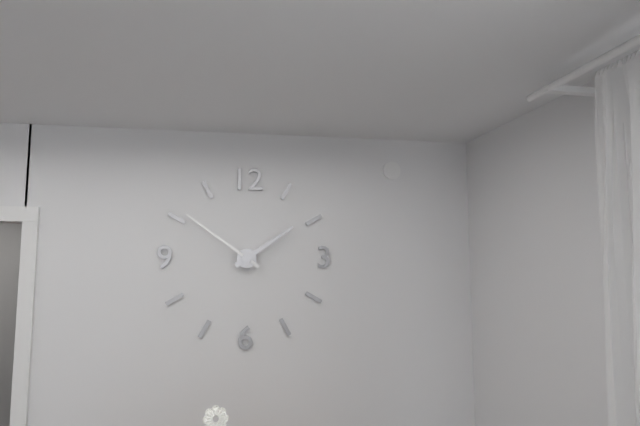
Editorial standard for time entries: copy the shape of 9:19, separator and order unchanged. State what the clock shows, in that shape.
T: 1:51
